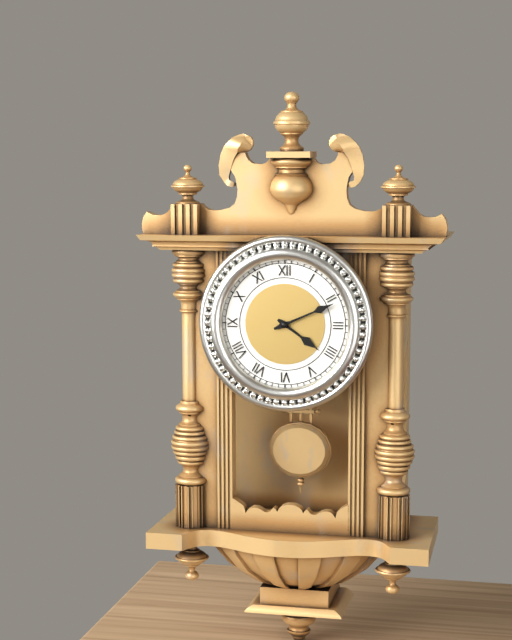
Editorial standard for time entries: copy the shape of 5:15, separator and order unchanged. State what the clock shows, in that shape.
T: 4:11
